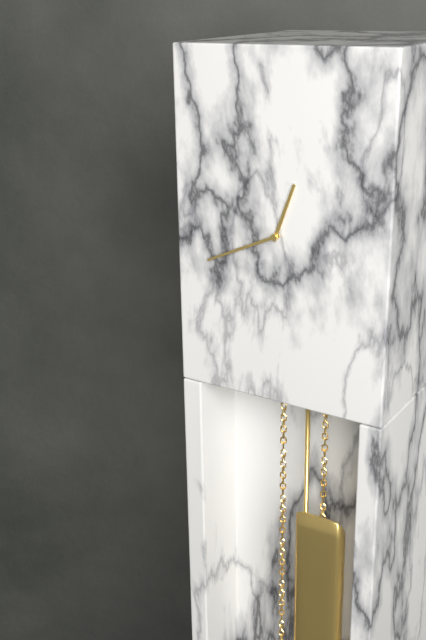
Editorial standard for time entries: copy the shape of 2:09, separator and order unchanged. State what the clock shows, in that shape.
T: 12:41
